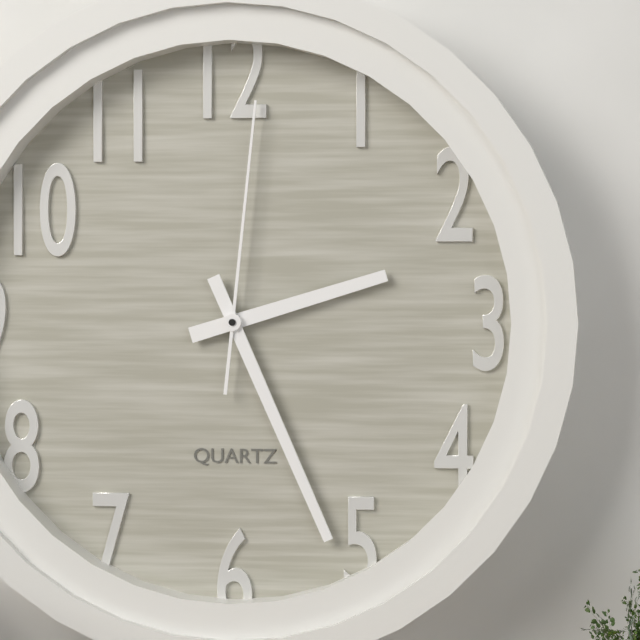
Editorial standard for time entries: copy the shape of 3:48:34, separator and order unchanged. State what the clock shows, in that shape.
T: 2:26:01
